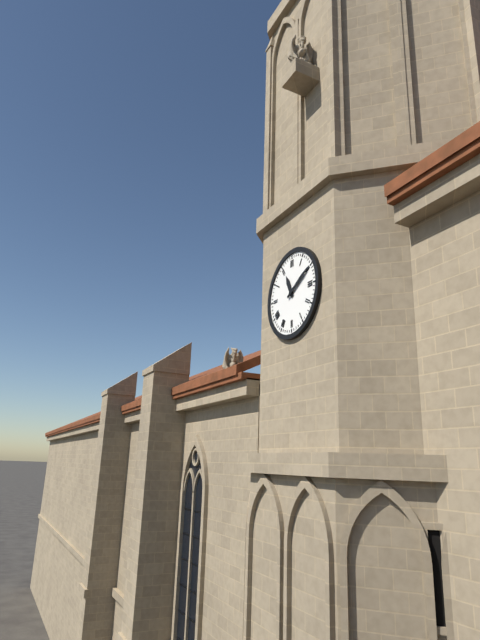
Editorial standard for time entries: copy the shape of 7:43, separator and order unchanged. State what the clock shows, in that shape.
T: 11:10
